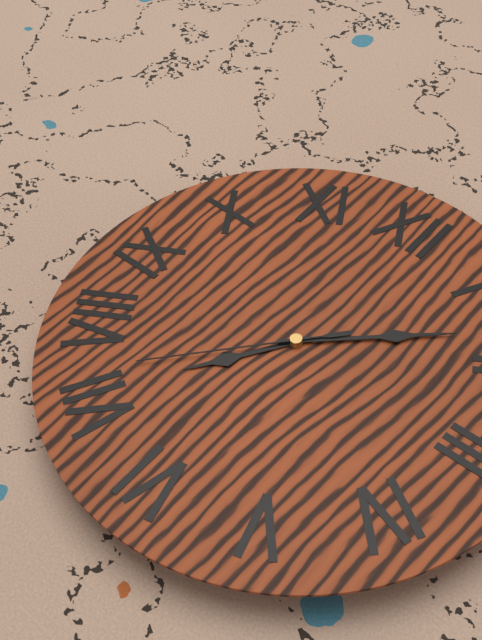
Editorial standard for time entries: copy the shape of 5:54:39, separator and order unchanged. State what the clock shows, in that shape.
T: 7:08:37
